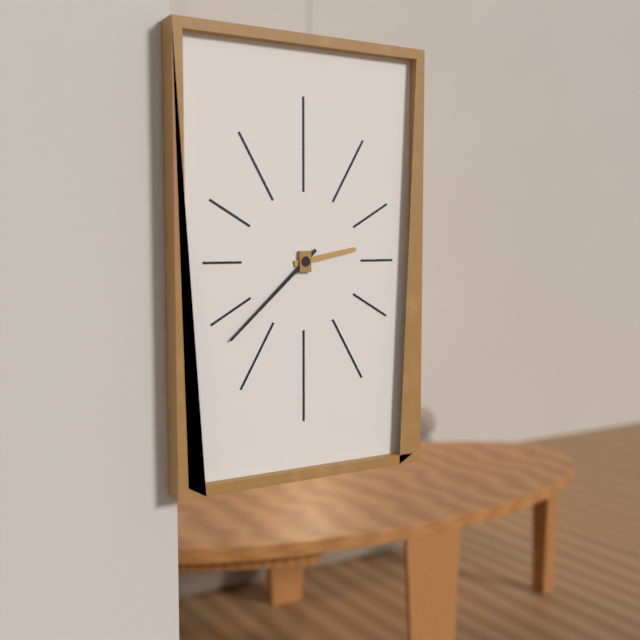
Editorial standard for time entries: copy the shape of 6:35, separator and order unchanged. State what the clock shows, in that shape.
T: 2:38
